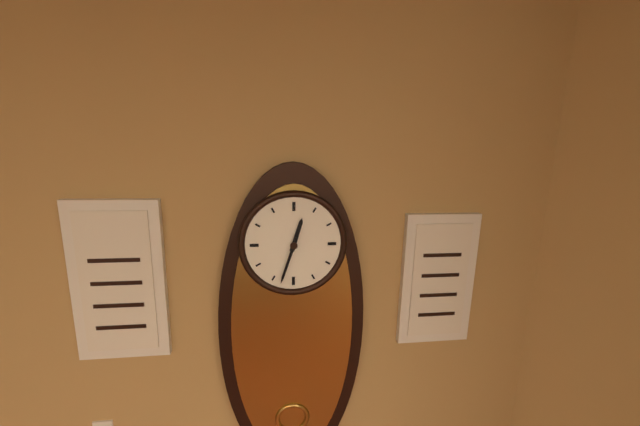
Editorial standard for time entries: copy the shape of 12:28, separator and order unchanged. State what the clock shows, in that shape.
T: 12:33
